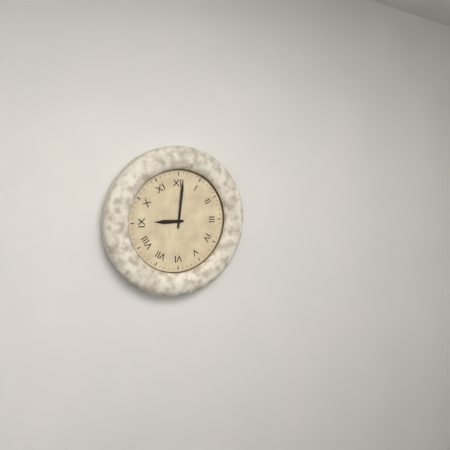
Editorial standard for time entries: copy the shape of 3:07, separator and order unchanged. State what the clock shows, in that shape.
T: 9:01
